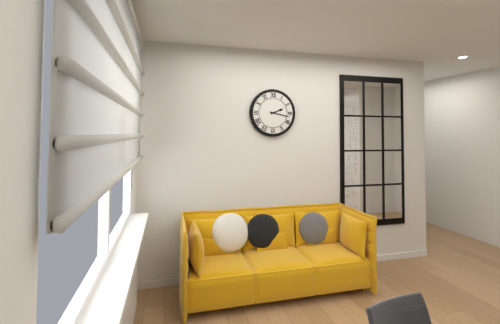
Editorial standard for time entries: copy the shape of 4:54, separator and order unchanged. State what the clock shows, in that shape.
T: 2:17
